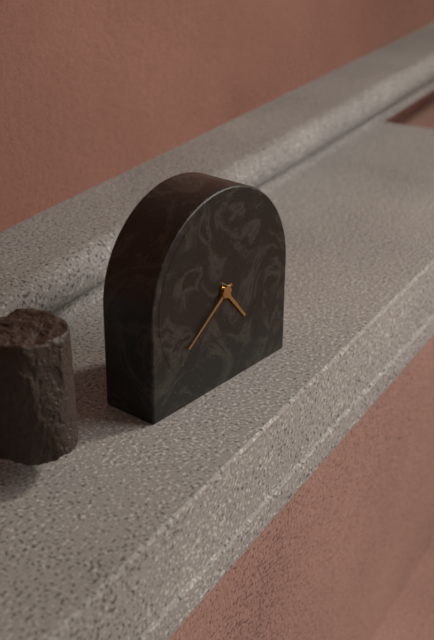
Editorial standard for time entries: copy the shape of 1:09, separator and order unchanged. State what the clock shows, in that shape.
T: 4:39
